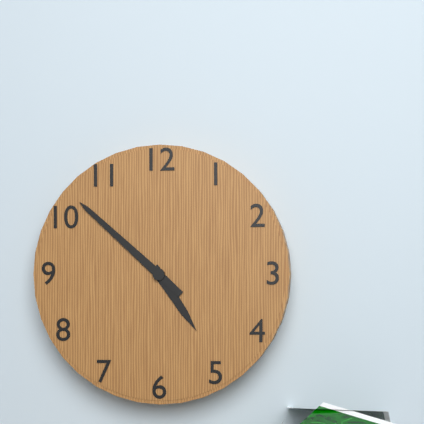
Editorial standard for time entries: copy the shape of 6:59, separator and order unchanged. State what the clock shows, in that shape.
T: 4:52
